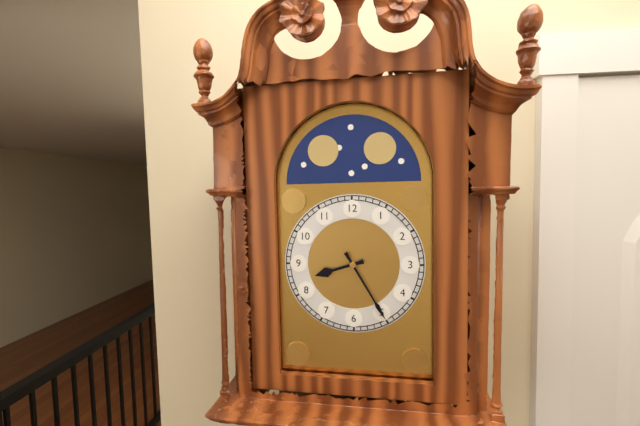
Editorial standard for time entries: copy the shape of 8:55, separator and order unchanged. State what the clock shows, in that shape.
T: 8:25
